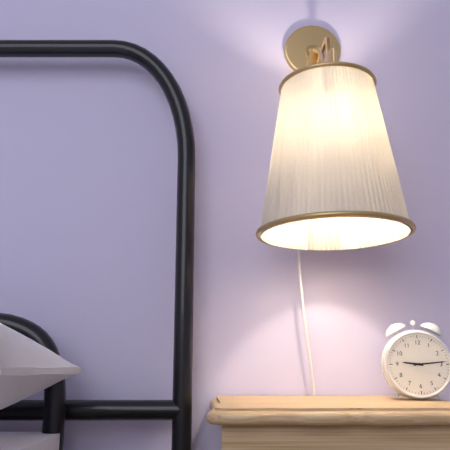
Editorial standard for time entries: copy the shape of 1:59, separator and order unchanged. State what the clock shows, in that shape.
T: 9:14
